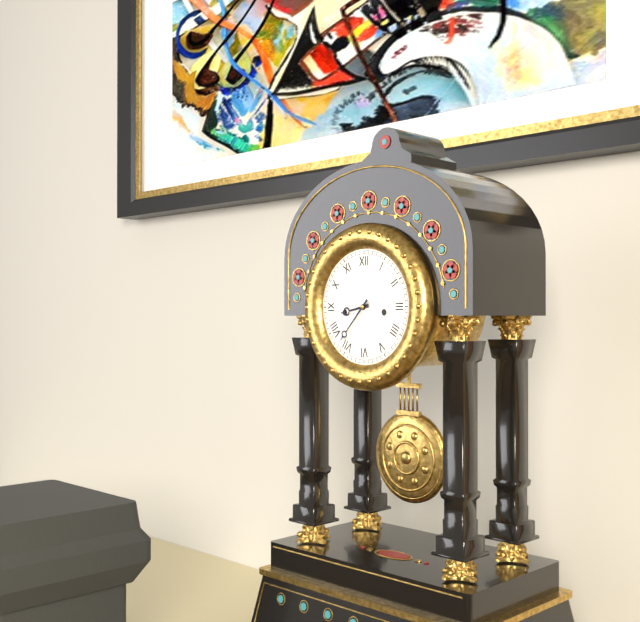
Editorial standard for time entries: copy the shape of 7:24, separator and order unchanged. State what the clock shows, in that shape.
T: 8:37
